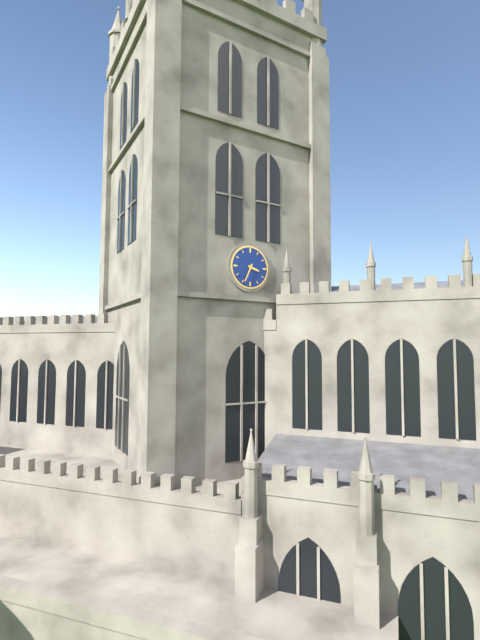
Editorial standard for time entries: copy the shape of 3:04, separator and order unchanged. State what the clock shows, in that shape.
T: 3:34
